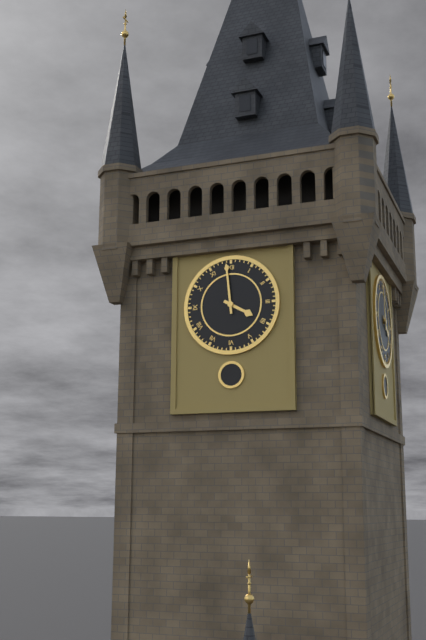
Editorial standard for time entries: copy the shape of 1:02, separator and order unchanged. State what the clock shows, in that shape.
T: 3:59
